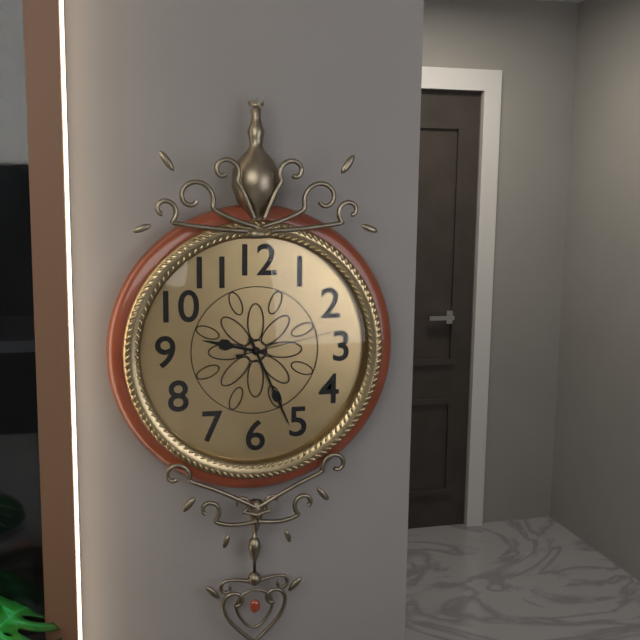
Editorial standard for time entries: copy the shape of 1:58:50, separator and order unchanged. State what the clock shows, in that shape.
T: 9:26:13
